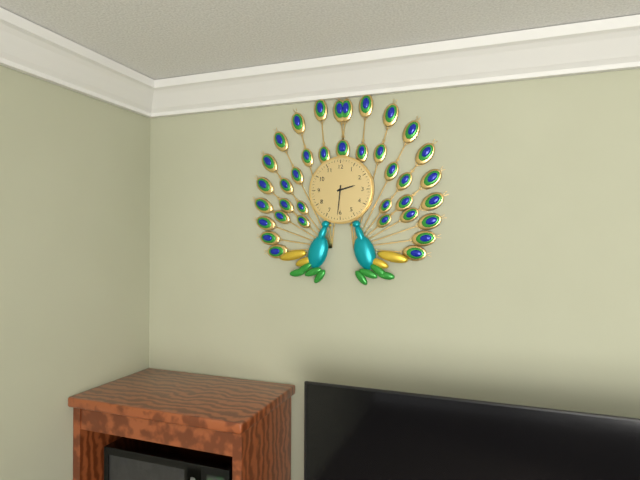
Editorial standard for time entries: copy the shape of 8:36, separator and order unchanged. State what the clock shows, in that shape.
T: 2:31
